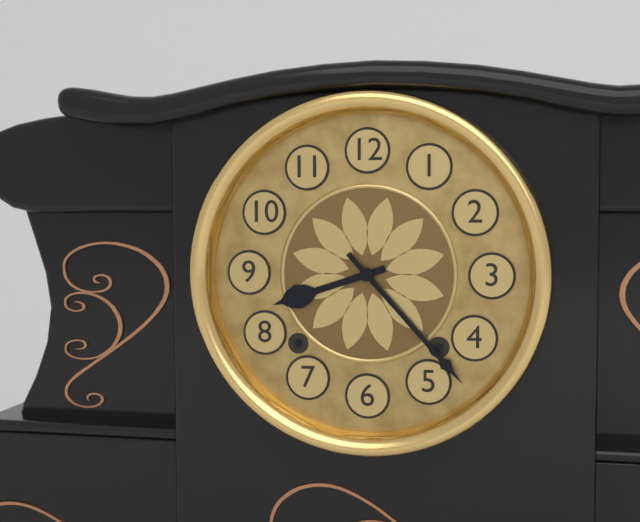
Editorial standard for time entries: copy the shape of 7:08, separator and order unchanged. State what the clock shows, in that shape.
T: 8:23
